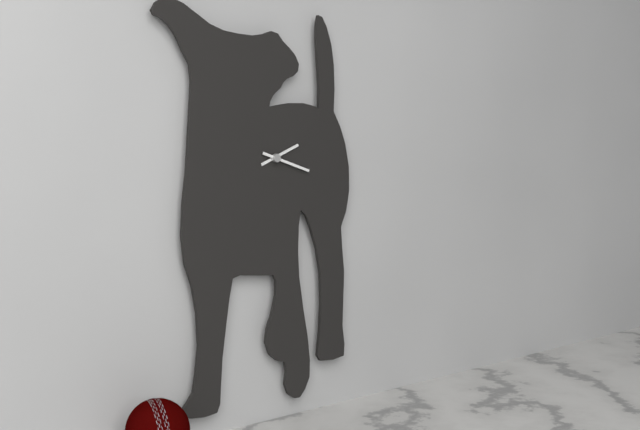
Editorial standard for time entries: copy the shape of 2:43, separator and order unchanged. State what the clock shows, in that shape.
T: 2:18
